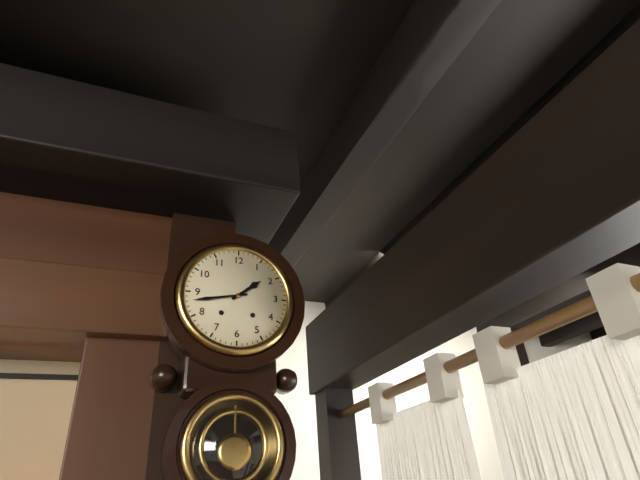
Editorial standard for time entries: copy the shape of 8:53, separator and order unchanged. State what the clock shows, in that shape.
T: 1:43
